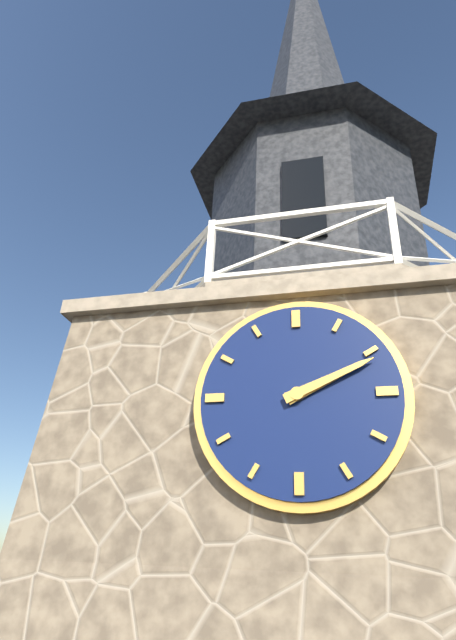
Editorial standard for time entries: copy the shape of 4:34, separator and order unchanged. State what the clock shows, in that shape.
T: 2:11
